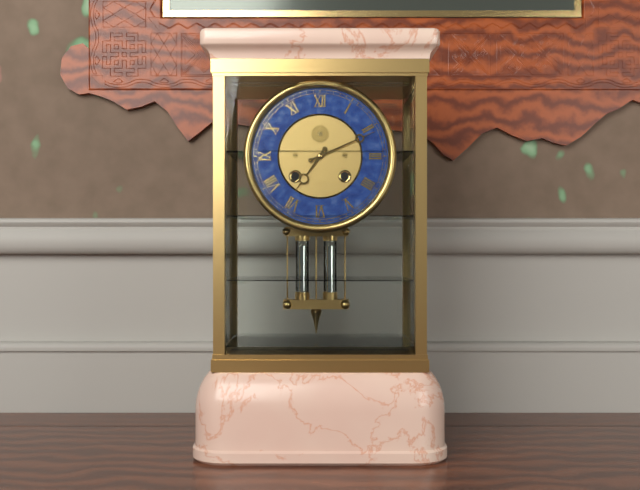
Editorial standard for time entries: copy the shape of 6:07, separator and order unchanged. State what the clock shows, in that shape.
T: 7:11
